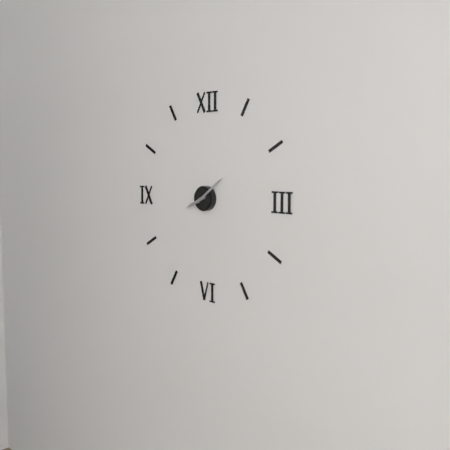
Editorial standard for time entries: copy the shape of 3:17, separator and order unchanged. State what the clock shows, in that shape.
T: 8:09
